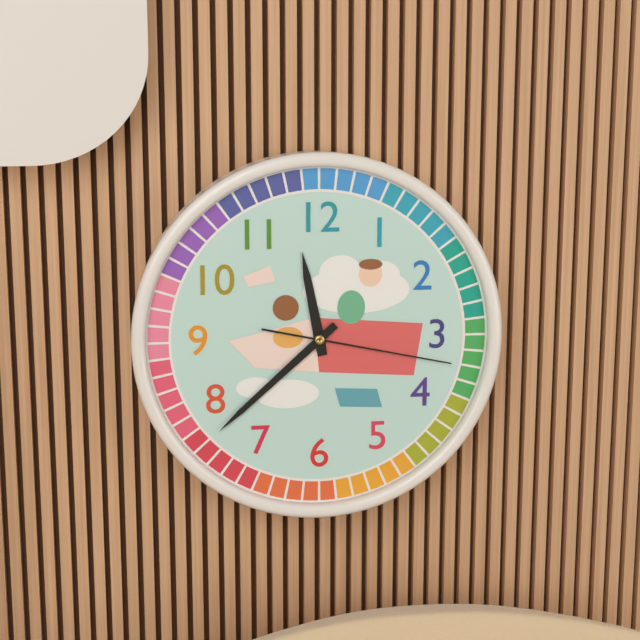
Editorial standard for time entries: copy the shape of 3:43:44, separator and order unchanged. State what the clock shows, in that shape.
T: 11:38:17
